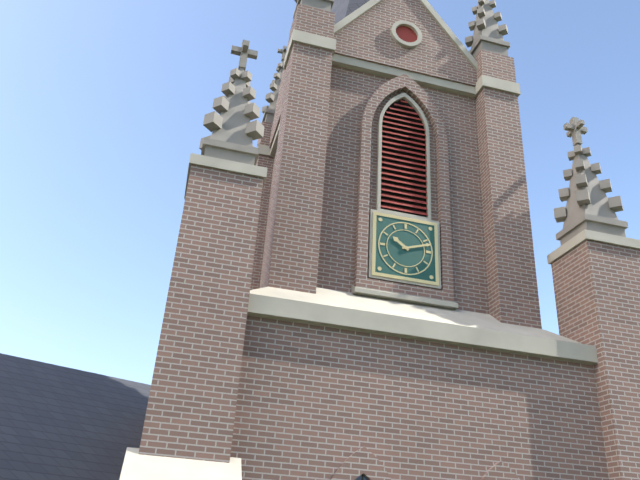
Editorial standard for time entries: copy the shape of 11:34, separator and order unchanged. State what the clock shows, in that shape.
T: 10:12
